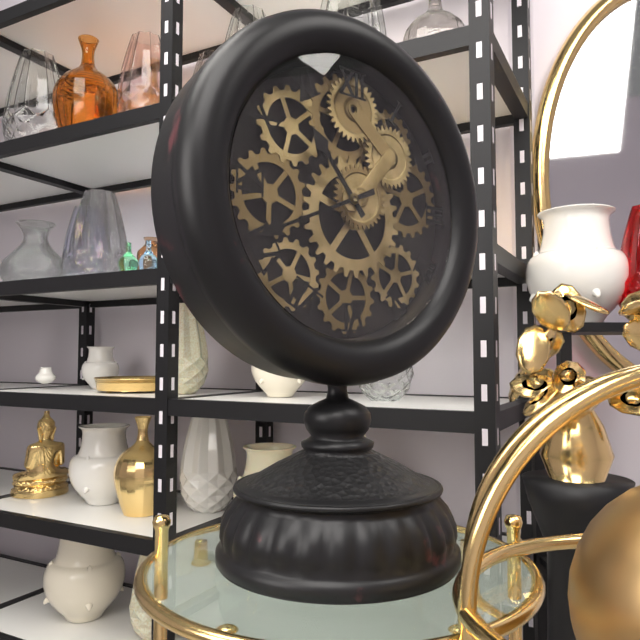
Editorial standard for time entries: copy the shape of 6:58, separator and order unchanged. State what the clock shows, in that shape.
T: 10:41
